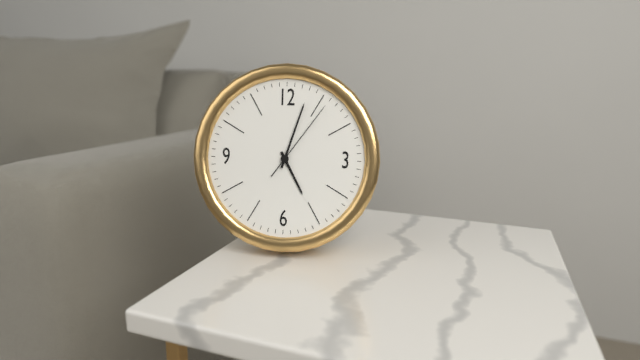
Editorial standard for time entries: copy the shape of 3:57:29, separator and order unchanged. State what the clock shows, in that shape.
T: 5:03:06
